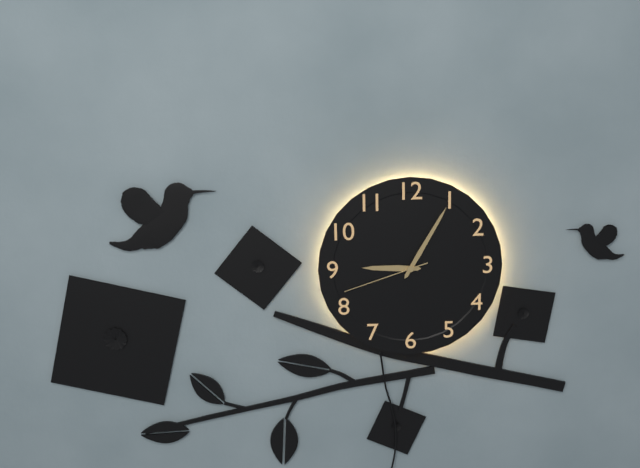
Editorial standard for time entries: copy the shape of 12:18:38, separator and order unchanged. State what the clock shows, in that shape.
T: 9:05:42
